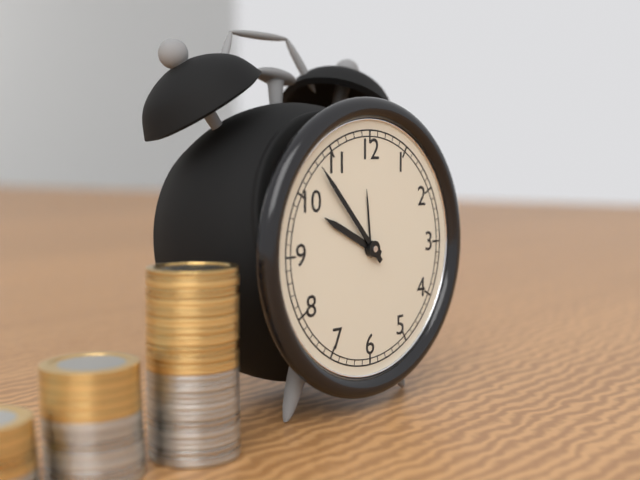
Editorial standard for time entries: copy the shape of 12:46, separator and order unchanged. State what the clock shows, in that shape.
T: 9:53
